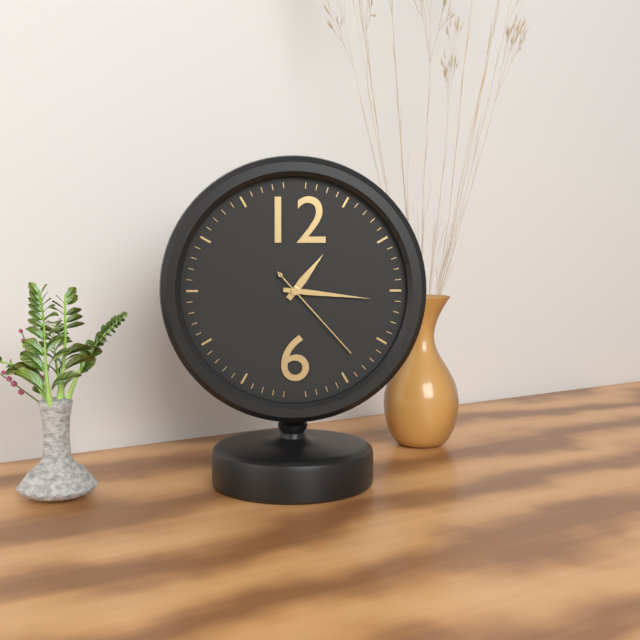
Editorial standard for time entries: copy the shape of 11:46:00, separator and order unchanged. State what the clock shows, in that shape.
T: 1:16:23
